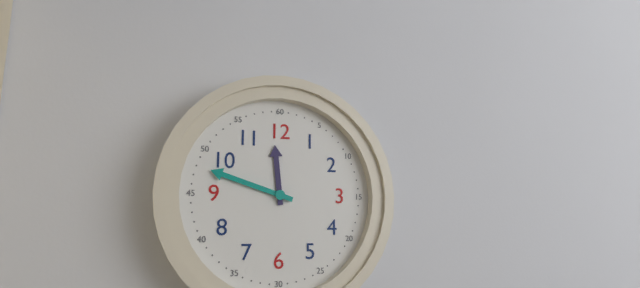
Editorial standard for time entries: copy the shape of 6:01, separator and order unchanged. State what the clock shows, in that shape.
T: 11:48
